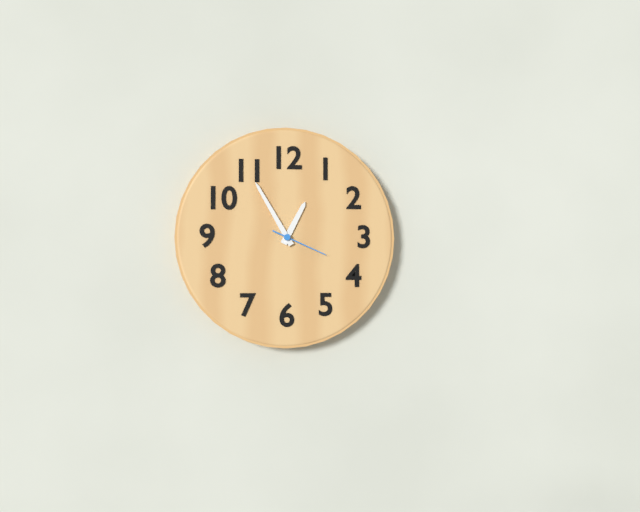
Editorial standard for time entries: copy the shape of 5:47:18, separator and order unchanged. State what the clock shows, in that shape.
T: 12:55:19
